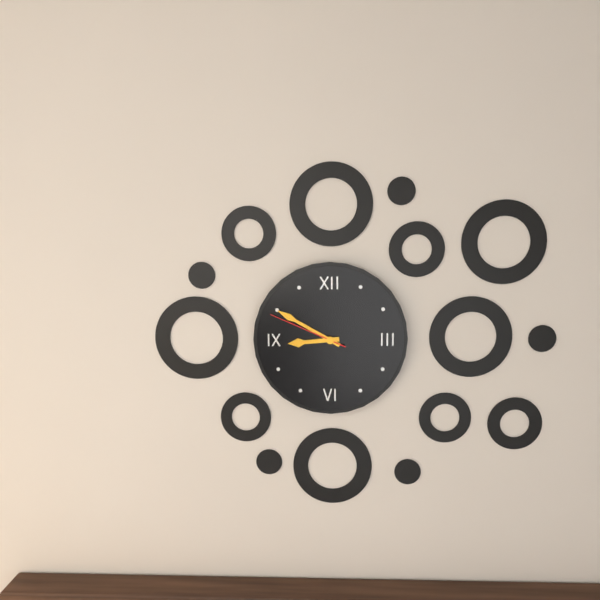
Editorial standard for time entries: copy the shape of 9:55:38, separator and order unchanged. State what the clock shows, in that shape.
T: 8:50:49
